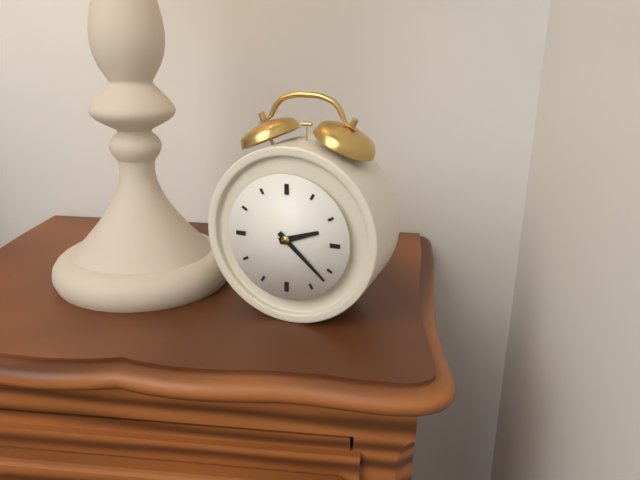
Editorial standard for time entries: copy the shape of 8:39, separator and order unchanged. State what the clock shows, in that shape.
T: 2:22
